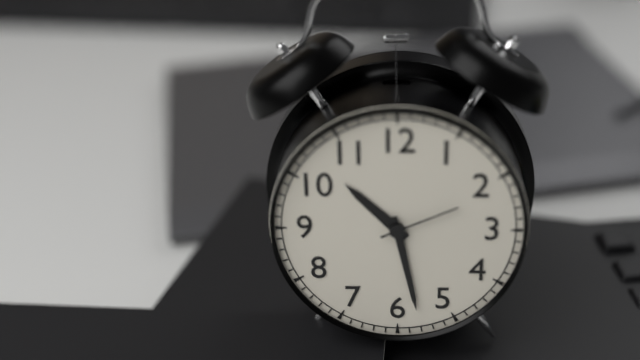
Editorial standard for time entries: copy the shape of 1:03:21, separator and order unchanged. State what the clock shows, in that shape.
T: 10:28:11
